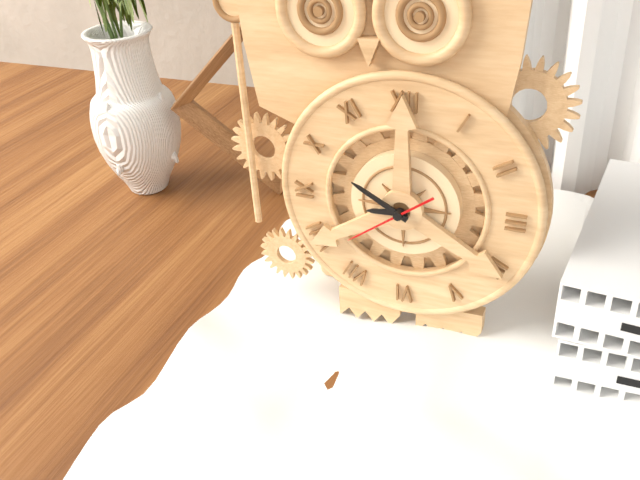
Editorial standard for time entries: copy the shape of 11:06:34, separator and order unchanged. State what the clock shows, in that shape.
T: 8:50:39
